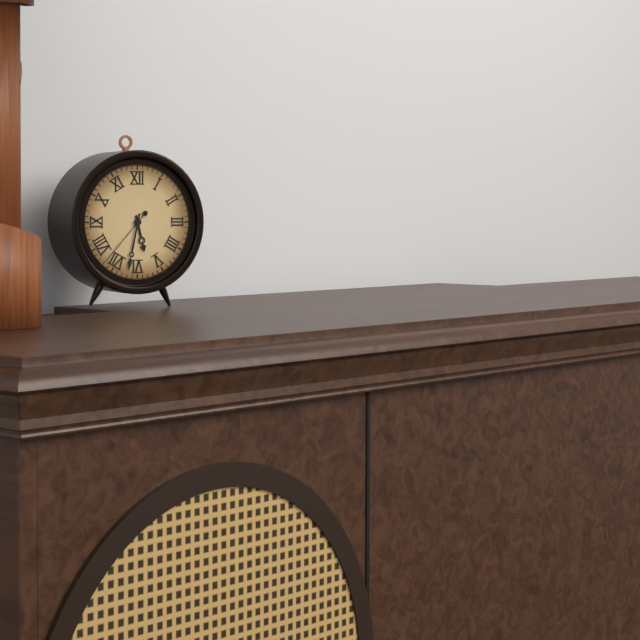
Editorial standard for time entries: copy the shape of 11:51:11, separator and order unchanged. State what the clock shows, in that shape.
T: 5:32:37
